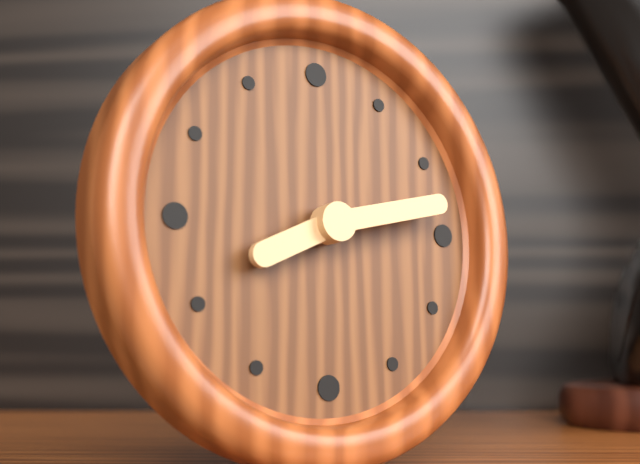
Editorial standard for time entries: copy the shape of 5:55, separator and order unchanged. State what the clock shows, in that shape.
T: 8:13
